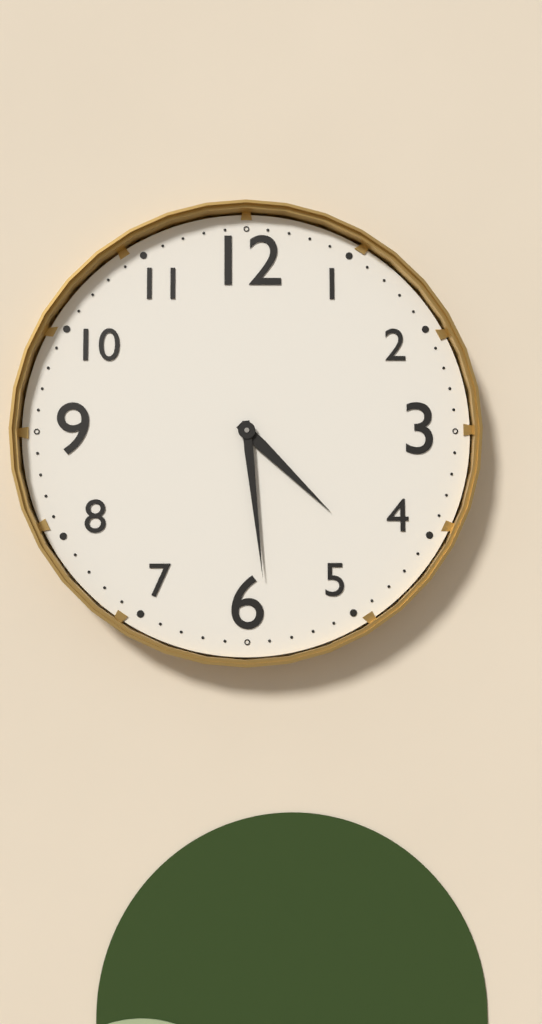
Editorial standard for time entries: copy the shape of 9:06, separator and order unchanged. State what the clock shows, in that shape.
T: 4:29
